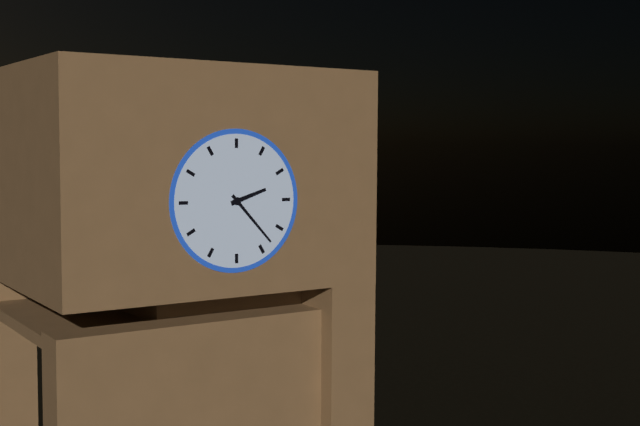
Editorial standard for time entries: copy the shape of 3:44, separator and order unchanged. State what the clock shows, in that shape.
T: 2:23
